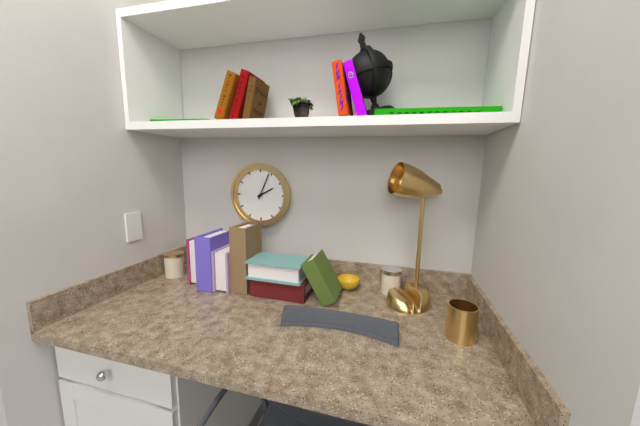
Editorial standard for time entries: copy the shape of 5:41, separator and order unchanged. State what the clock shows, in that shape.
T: 2:04
